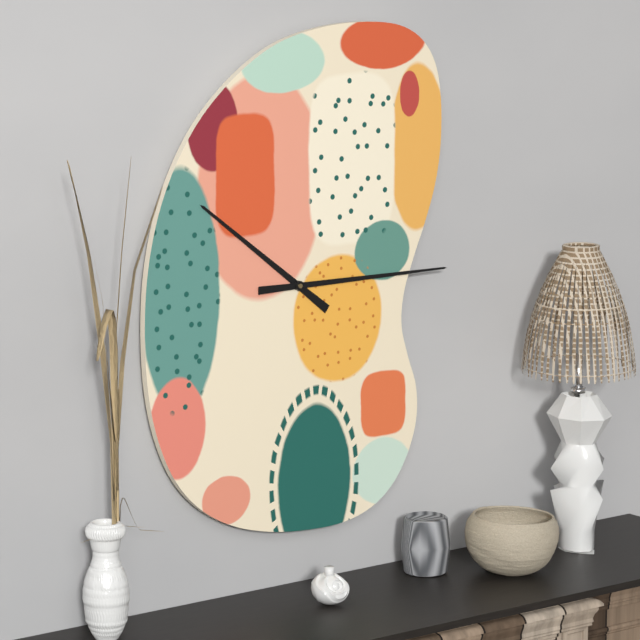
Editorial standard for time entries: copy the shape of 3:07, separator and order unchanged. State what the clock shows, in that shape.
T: 10:15
